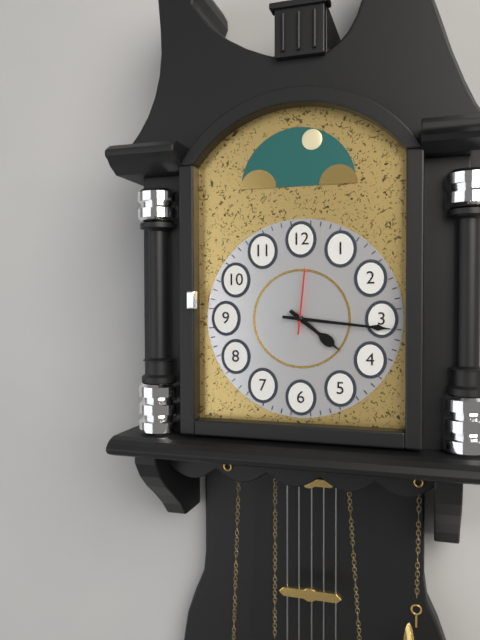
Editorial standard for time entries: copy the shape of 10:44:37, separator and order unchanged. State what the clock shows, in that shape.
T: 4:16:01
